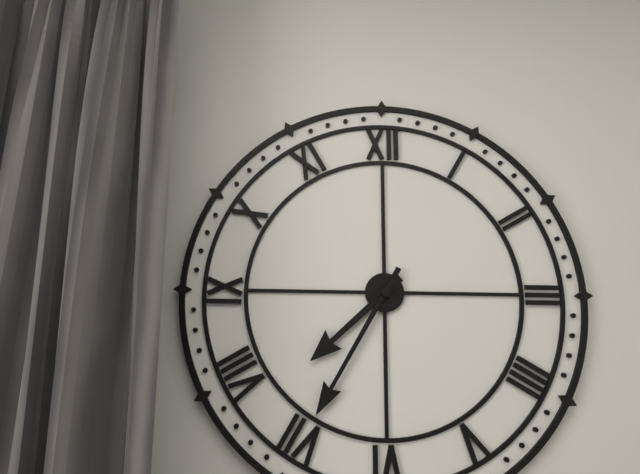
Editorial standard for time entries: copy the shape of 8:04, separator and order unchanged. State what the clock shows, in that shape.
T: 7:35
